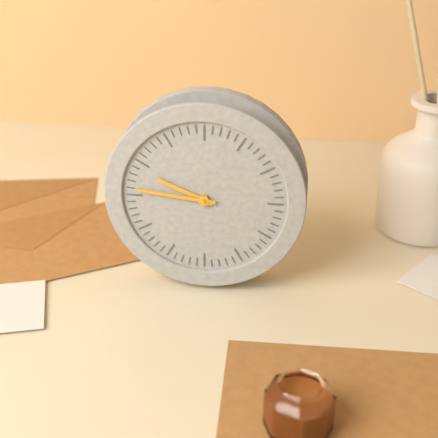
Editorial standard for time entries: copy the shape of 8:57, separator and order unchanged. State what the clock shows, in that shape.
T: 9:46
